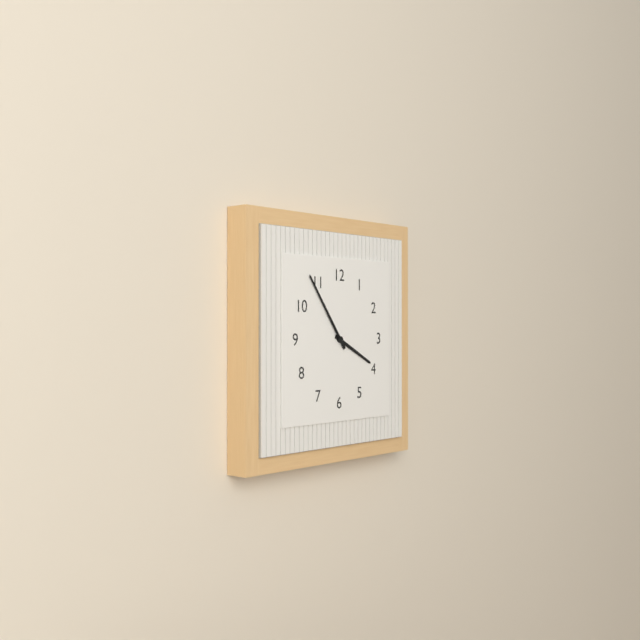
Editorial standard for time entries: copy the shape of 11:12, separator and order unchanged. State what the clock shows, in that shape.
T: 3:54
